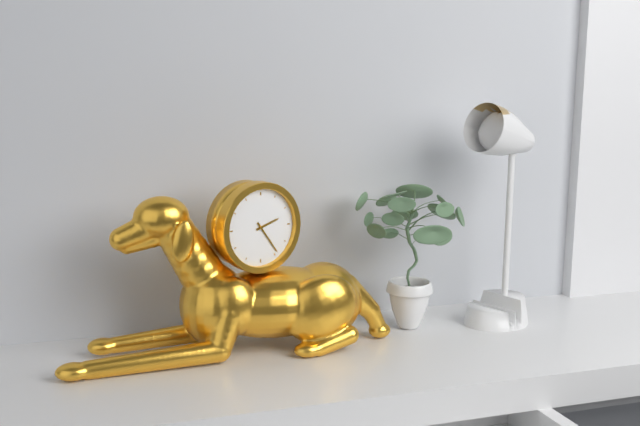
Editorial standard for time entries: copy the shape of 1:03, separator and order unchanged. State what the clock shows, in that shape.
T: 2:24
